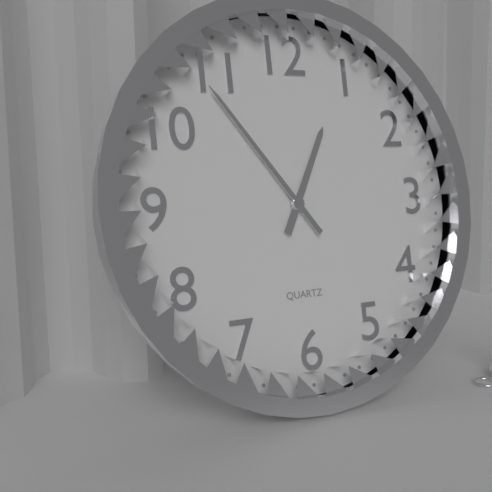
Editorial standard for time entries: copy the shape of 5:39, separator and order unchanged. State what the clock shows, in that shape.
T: 12:54
